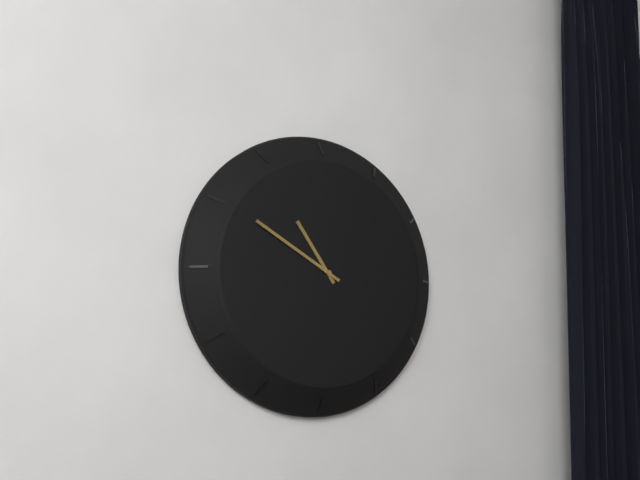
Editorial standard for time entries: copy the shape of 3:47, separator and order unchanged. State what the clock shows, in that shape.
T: 10:50
